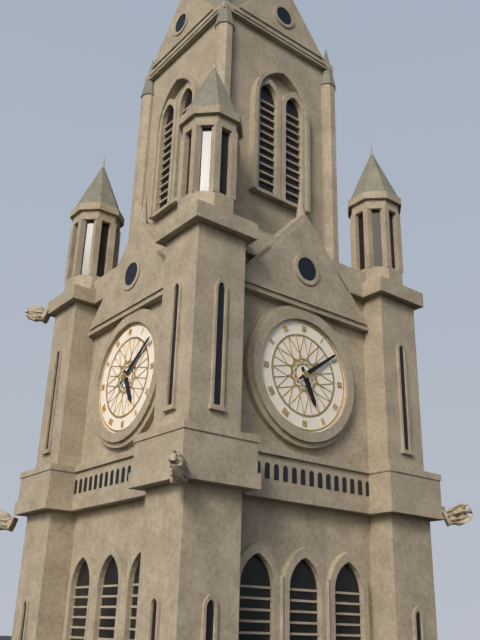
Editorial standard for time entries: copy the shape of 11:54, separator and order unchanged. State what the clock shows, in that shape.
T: 5:09
